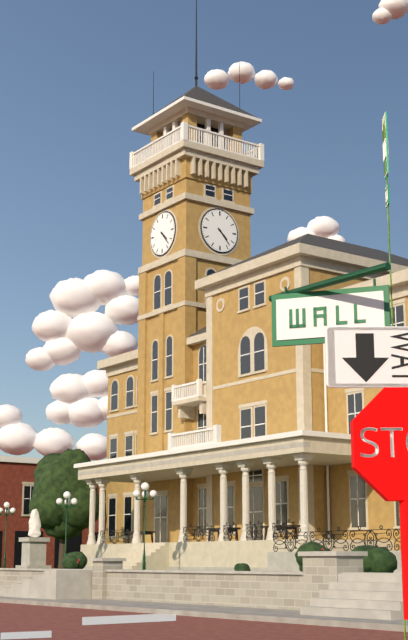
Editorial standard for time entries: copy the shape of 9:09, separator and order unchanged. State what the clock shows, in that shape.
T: 4:23
